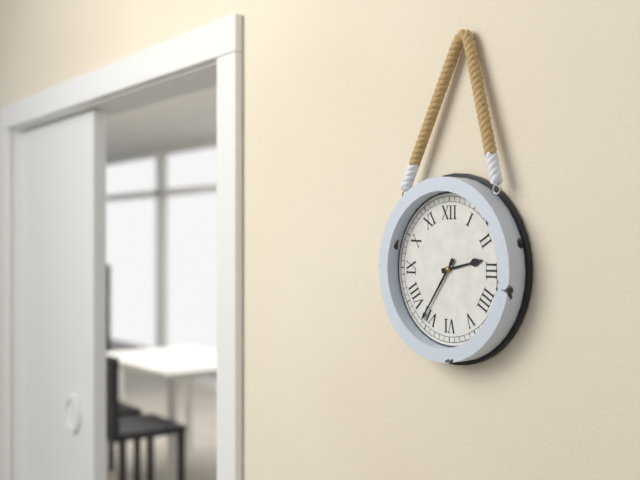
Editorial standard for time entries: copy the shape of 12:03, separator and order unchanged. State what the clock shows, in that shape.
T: 2:36
